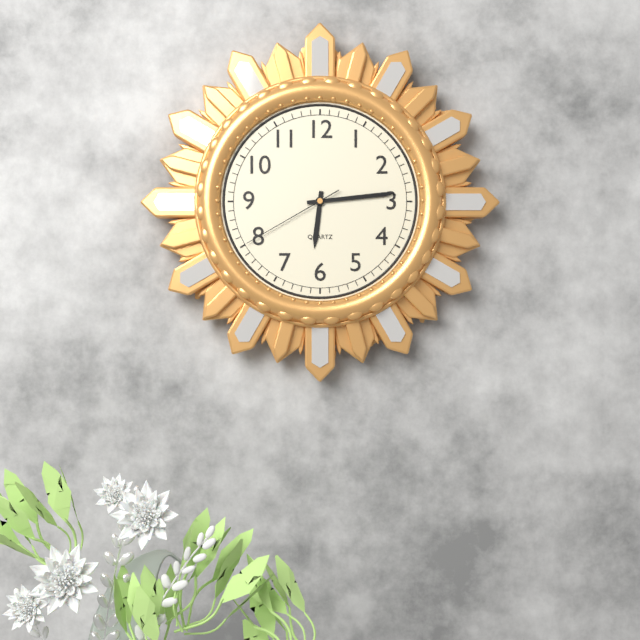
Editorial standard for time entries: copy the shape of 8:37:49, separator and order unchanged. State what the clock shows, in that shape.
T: 6:14:40
